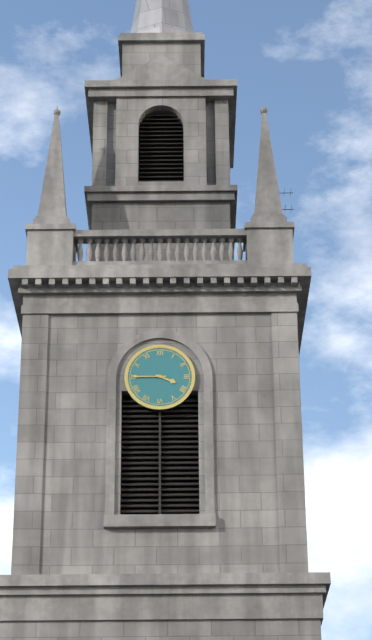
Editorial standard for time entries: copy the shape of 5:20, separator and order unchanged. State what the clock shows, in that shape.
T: 3:45
